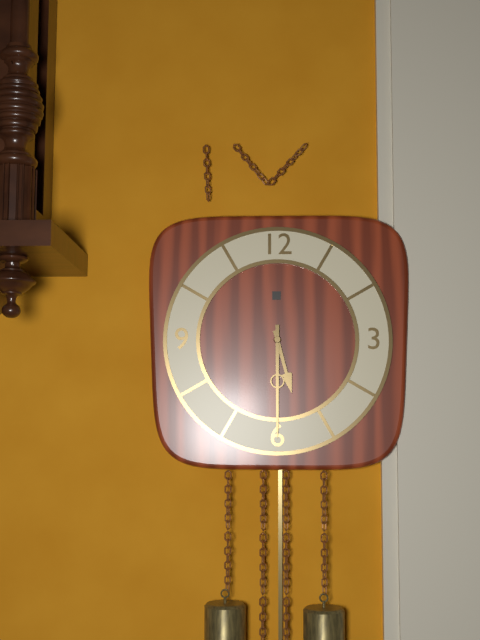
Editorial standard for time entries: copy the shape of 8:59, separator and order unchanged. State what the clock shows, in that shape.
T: 5:30
